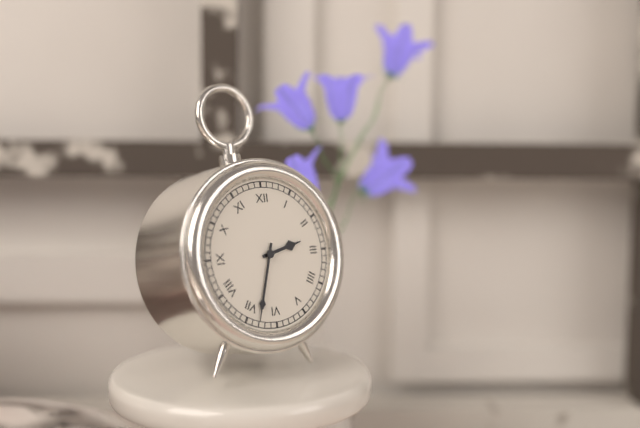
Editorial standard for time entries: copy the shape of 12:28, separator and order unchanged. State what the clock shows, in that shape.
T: 2:33
